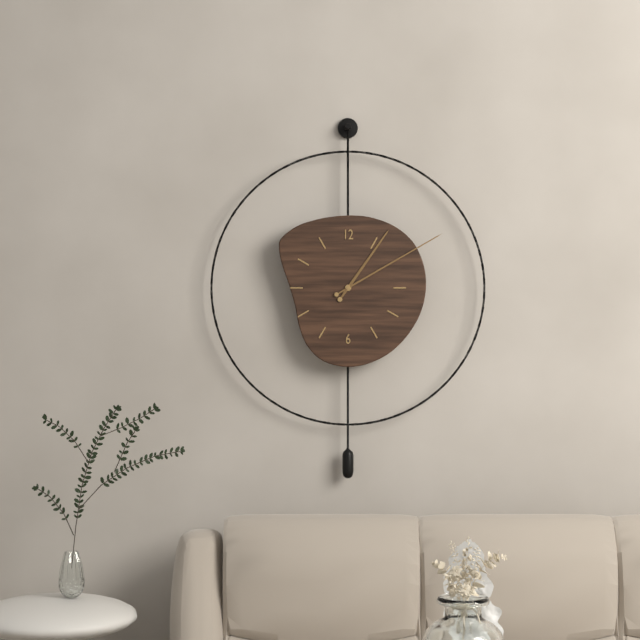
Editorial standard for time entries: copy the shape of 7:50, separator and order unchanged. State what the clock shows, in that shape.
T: 1:10
